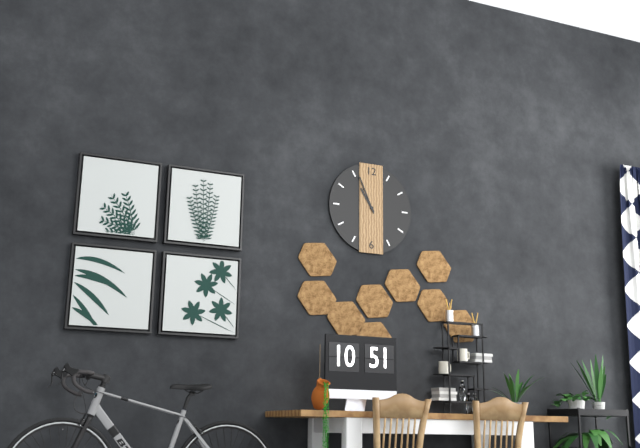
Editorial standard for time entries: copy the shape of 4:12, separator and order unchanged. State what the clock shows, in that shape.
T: 10:56
